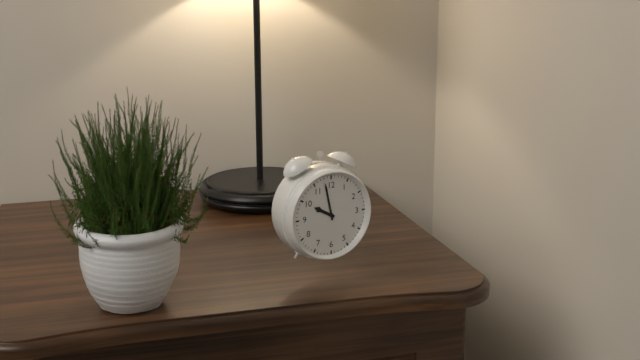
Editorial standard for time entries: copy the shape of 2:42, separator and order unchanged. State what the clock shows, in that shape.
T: 9:58
